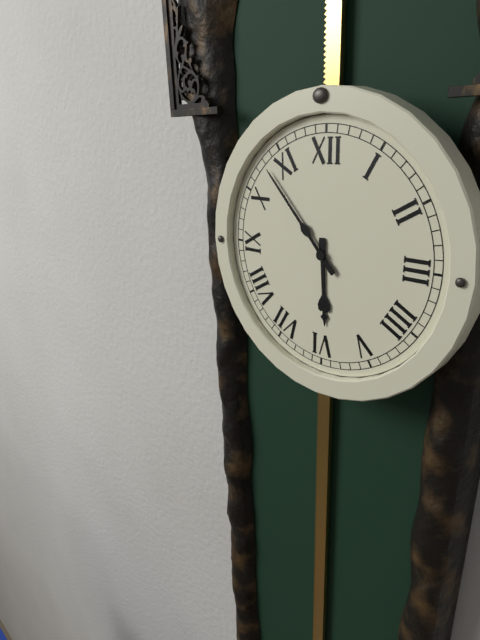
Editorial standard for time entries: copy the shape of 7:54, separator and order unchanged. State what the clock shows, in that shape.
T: 5:53
